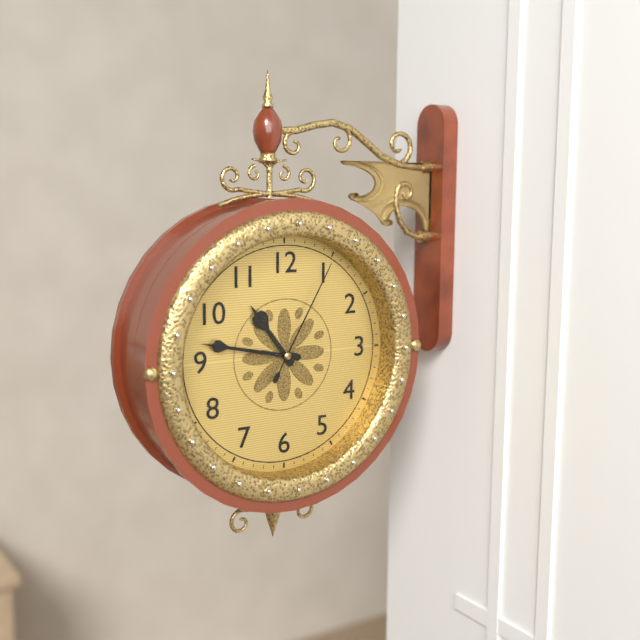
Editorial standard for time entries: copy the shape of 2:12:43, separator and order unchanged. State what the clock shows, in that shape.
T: 10:47:05
